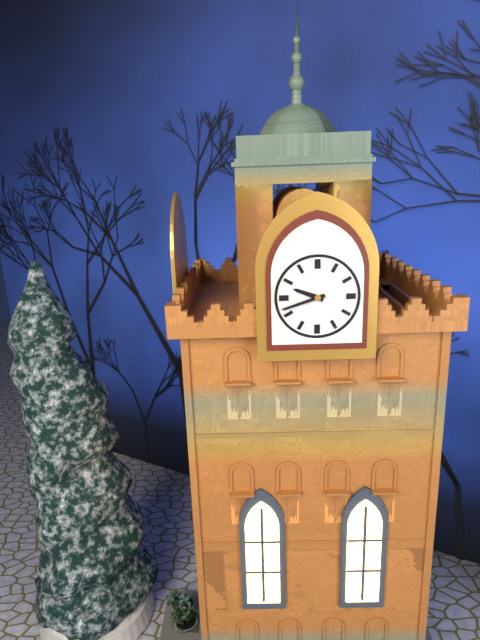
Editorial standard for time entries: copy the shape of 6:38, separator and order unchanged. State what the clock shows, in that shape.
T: 9:42
